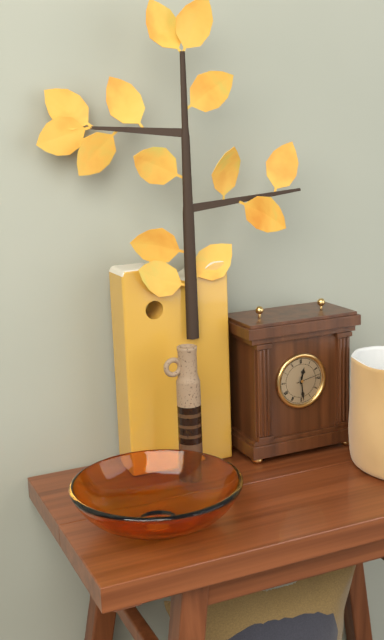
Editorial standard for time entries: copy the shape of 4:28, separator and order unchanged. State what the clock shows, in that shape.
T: 12:29
